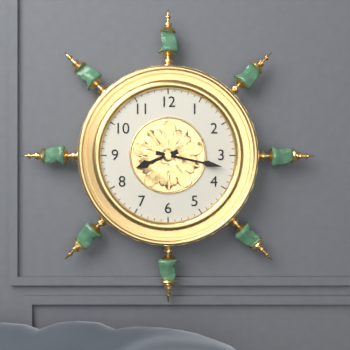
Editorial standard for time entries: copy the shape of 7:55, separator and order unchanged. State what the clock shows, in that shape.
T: 8:17
